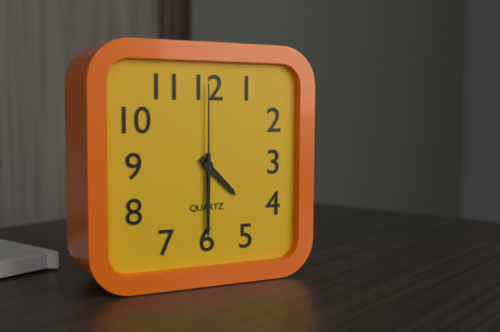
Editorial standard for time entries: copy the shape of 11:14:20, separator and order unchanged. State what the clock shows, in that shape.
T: 4:30:00
